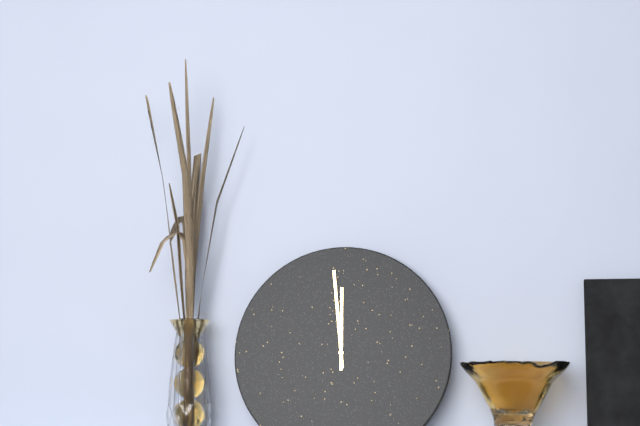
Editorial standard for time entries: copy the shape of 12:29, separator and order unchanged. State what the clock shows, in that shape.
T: 11:59
